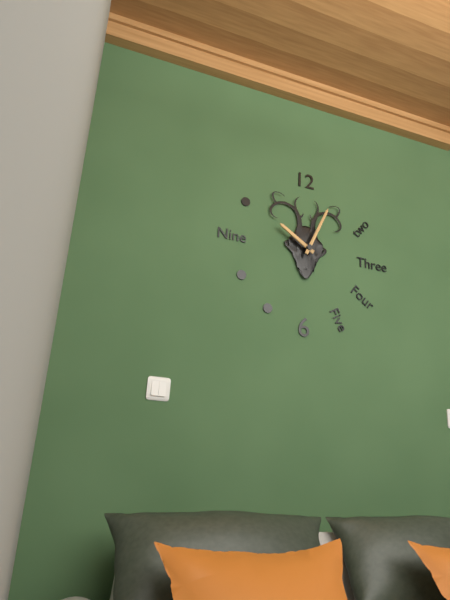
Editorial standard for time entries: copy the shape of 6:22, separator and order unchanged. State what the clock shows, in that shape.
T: 10:04
